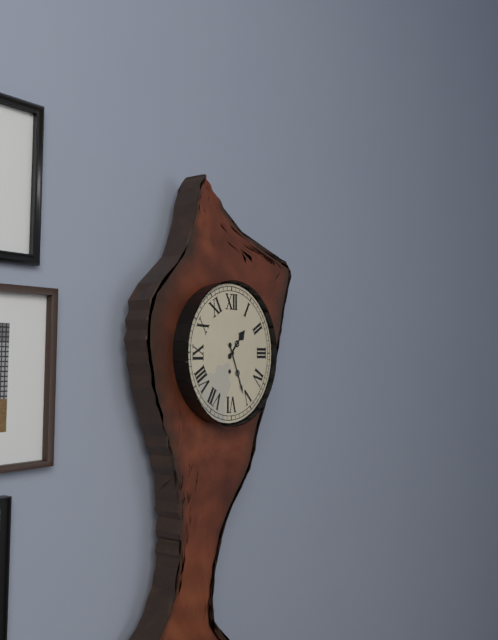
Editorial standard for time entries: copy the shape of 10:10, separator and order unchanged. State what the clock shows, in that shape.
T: 1:26
